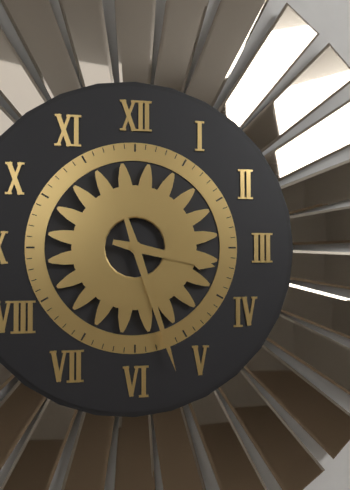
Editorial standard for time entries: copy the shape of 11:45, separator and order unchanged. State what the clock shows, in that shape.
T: 3:27
